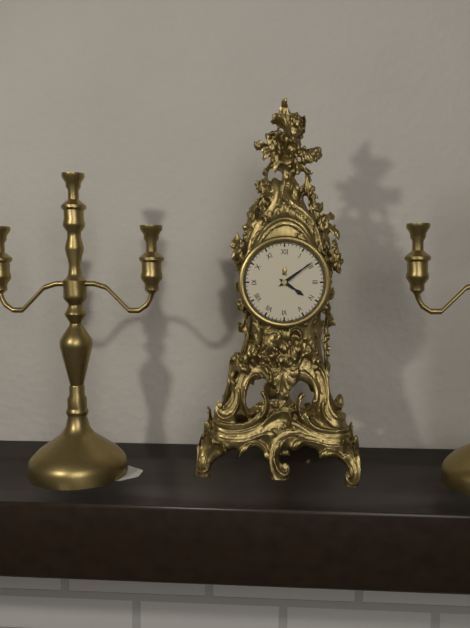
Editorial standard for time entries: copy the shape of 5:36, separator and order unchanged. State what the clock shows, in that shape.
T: 4:09
